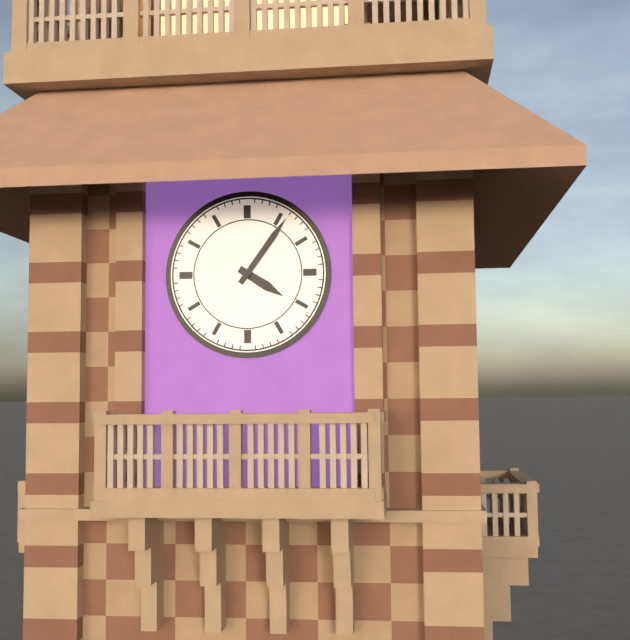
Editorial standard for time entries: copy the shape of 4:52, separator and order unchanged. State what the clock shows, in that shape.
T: 4:06
